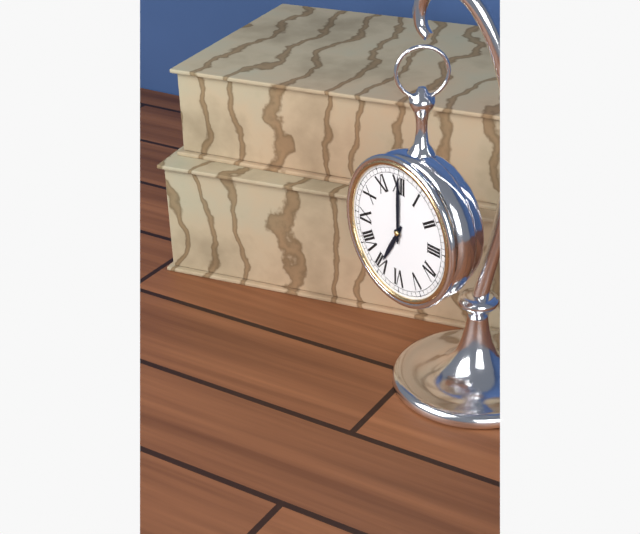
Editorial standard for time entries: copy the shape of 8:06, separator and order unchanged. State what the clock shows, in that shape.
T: 7:00
